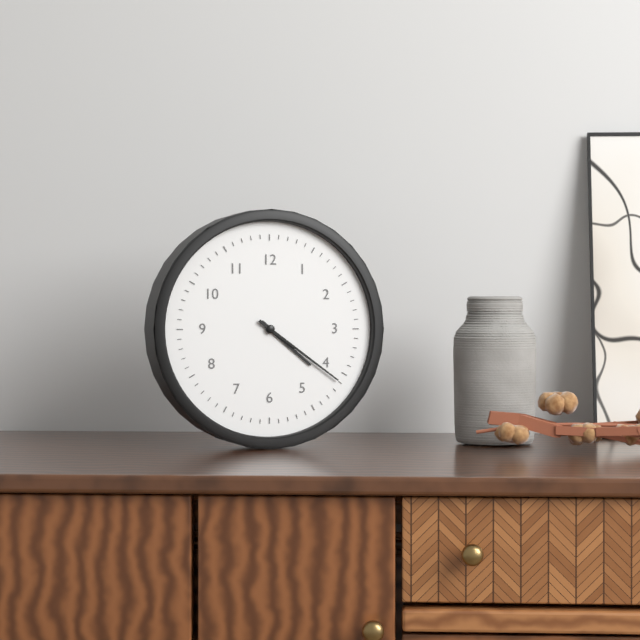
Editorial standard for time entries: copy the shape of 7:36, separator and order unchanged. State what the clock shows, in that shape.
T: 4:21
